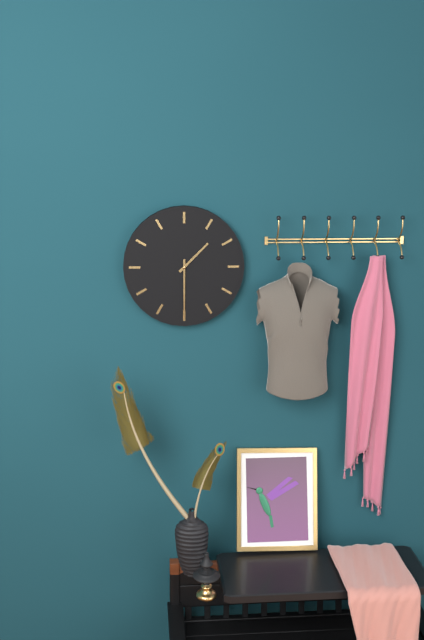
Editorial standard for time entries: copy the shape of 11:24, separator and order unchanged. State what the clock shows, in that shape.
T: 1:30
